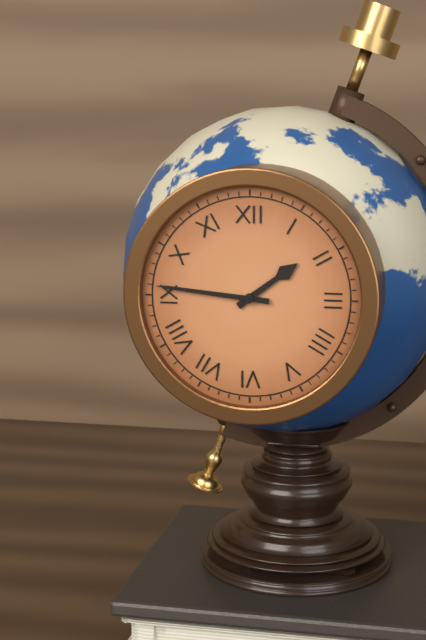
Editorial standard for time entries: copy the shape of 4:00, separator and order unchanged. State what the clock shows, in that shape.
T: 1:46
